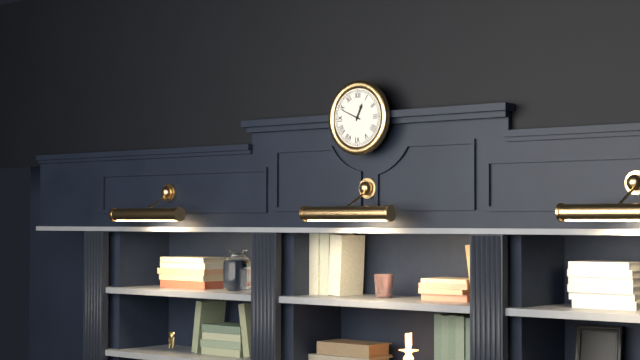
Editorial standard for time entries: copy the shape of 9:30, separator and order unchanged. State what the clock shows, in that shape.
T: 12:49
